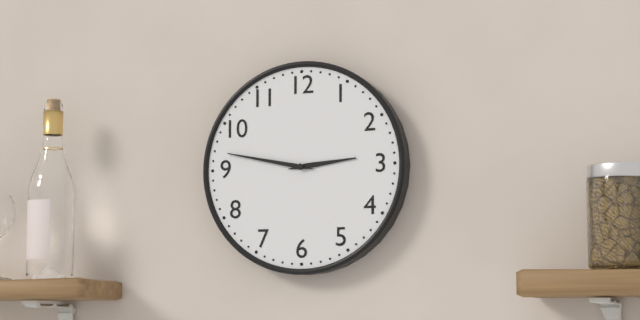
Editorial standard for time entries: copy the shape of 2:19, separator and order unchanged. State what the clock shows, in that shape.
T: 2:47
